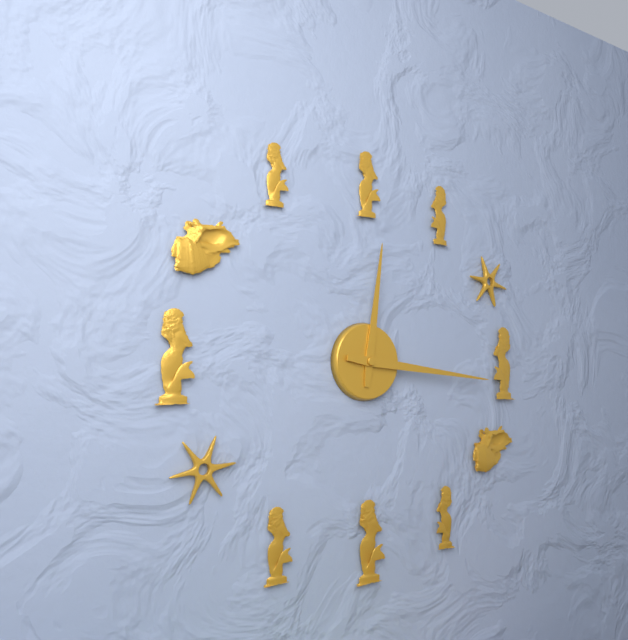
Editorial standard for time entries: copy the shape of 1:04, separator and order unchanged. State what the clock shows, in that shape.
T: 12:16
